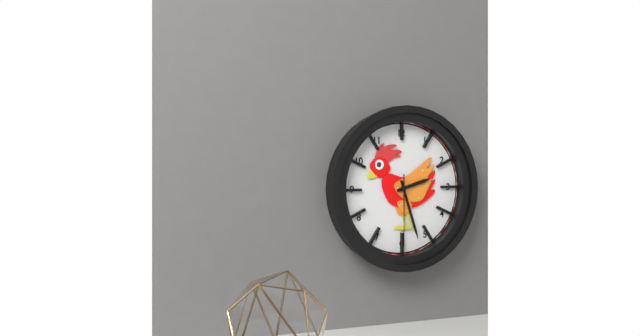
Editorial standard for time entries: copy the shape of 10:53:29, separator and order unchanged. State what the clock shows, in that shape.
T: 2:27:30
